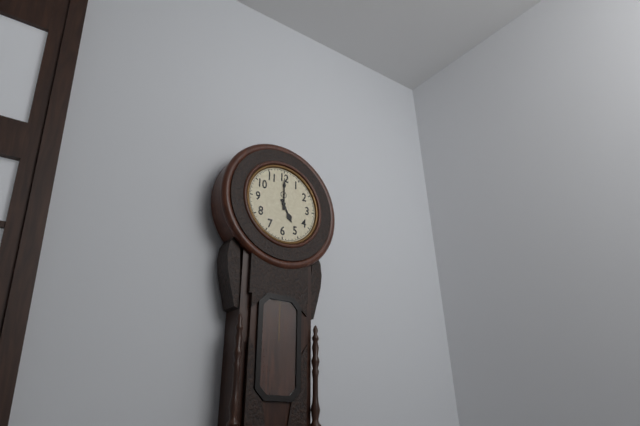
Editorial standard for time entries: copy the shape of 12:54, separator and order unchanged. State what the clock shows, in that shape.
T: 5:00
